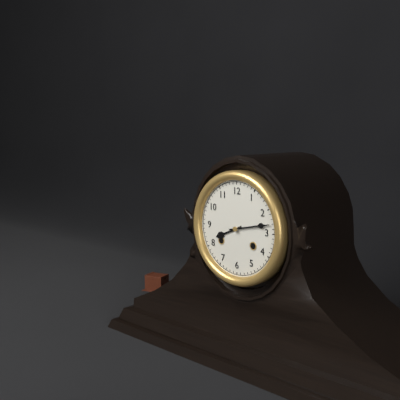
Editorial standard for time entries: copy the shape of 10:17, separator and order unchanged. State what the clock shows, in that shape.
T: 8:13
